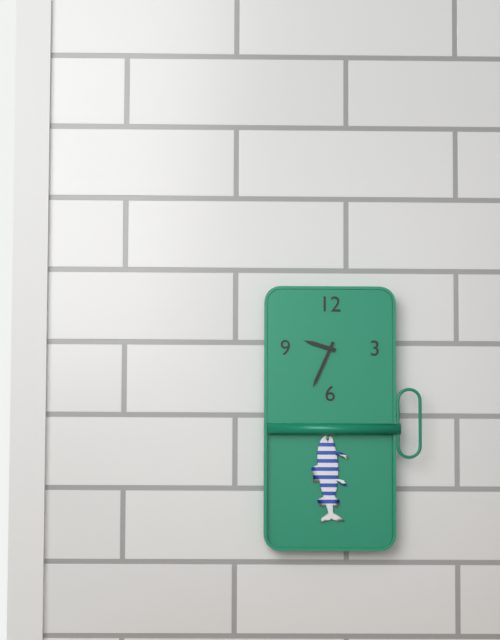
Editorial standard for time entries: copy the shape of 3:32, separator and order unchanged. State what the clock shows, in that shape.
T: 9:34
